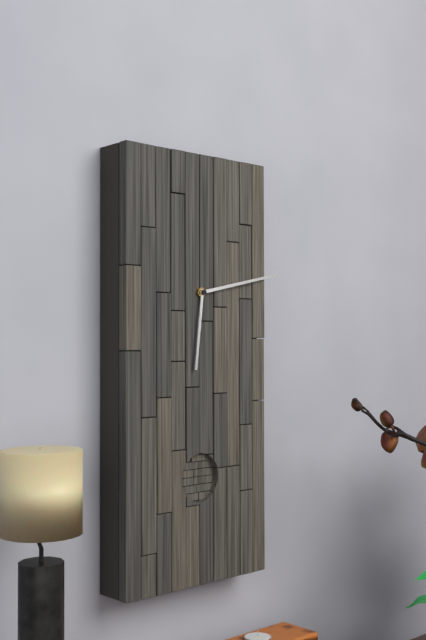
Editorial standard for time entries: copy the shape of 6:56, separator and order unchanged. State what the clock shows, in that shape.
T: 6:13
